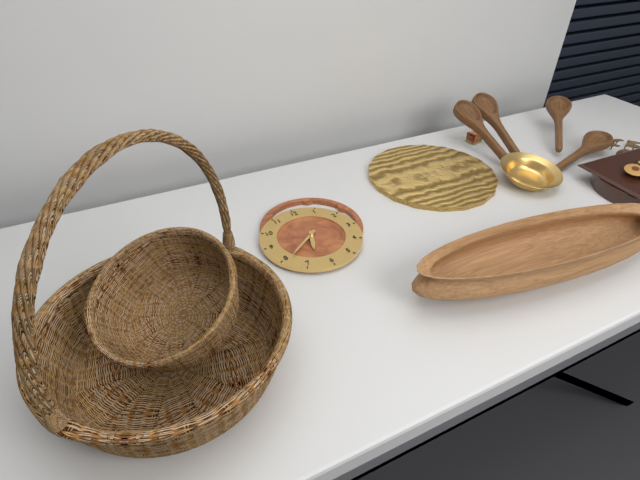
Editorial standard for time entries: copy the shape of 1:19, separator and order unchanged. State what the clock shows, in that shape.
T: 6:39
